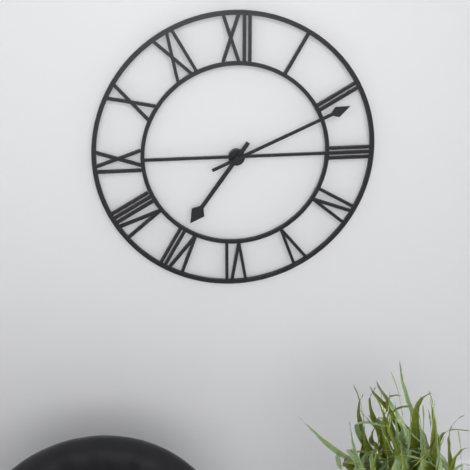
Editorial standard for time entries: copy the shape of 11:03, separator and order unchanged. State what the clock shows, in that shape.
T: 7:11
